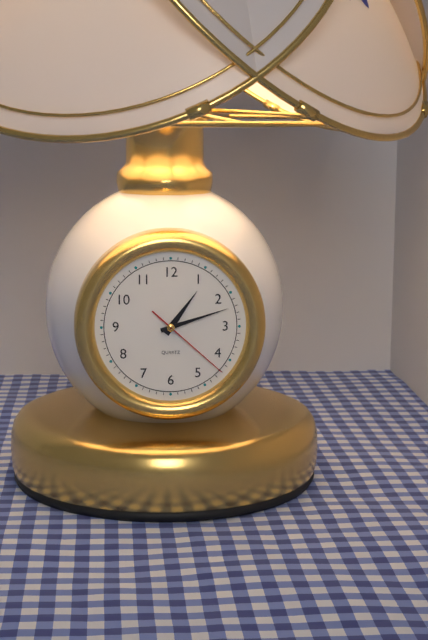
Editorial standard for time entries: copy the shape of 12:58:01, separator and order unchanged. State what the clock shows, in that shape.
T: 1:12:22
